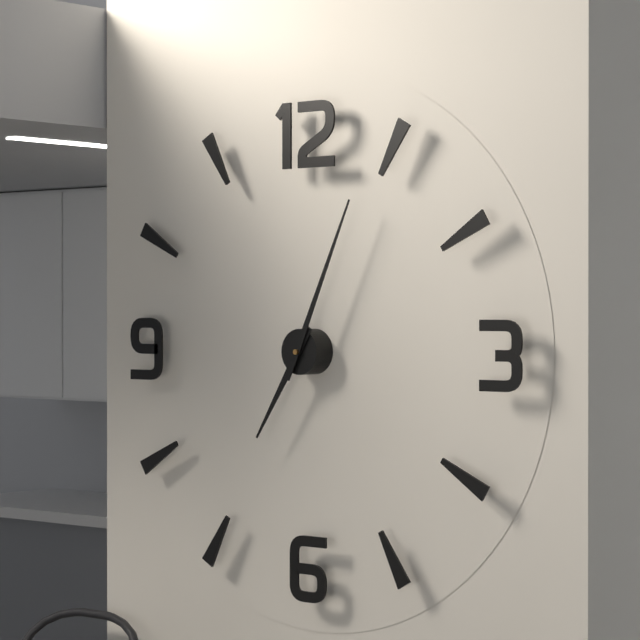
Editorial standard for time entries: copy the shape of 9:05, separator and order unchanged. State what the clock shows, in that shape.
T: 7:04
